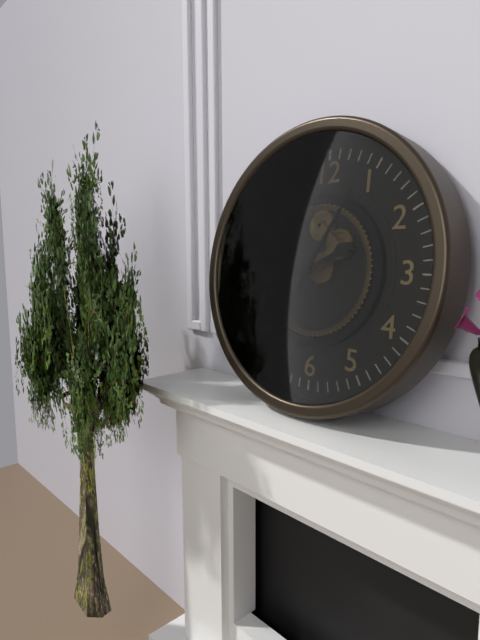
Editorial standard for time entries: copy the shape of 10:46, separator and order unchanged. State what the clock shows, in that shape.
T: 2:05
